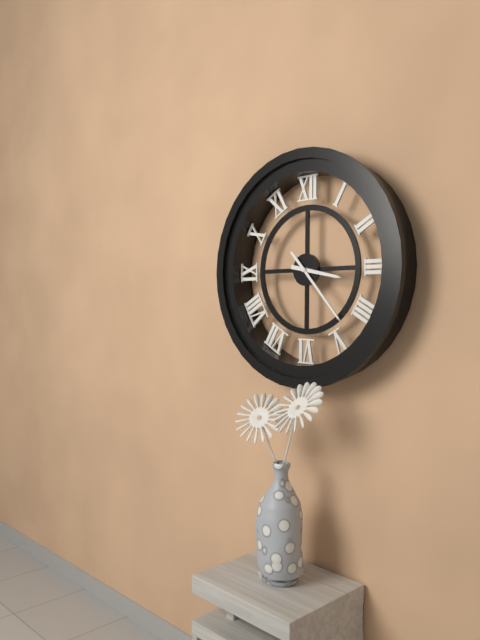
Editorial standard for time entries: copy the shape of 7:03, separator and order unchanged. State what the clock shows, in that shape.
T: 3:23
